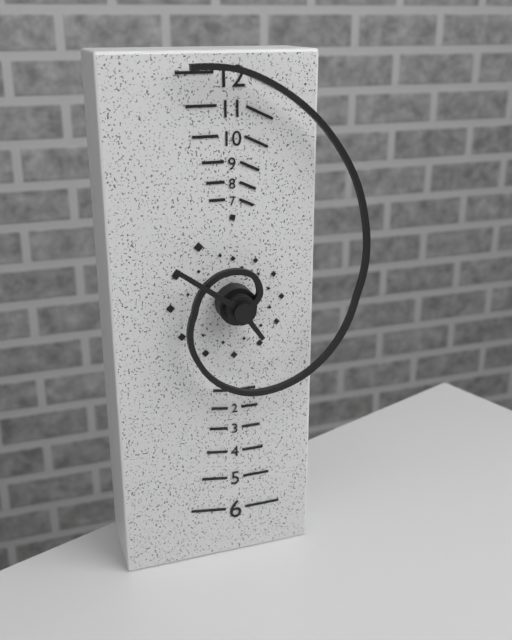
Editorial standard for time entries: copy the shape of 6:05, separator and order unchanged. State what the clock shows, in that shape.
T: 4:51
